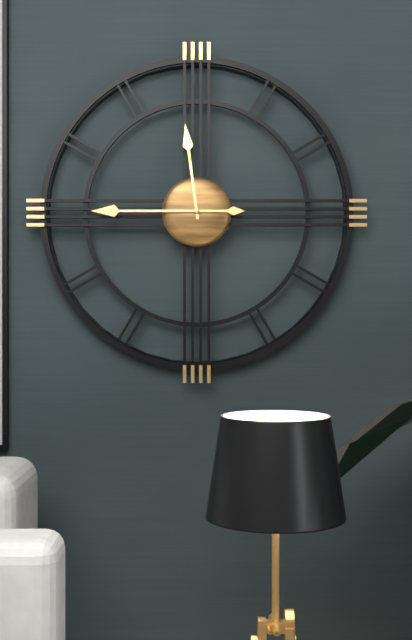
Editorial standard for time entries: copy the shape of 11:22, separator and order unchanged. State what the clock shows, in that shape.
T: 11:45
